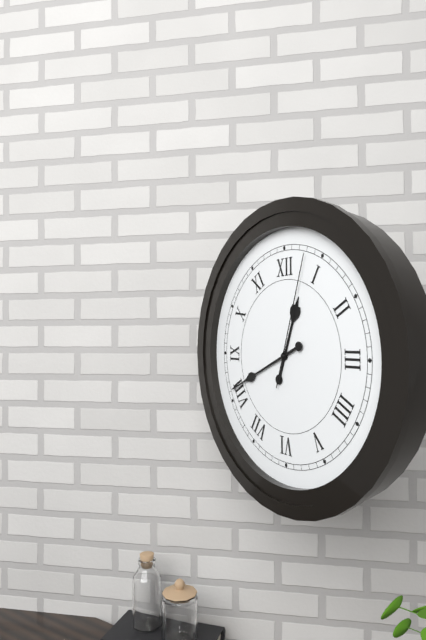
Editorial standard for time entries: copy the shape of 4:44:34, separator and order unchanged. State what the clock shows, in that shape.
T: 12:41:03
